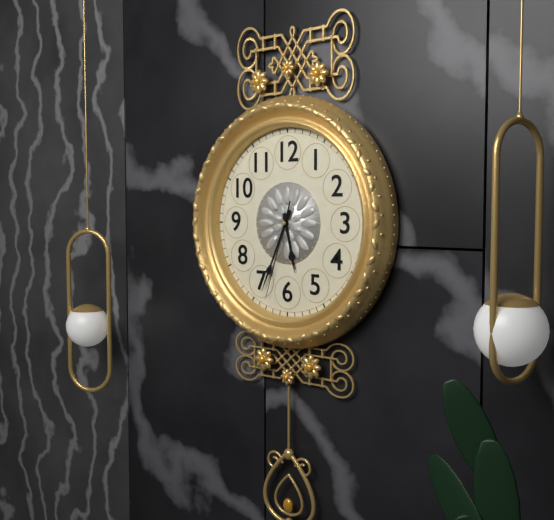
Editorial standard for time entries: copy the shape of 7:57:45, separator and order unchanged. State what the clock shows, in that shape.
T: 5:34:33
